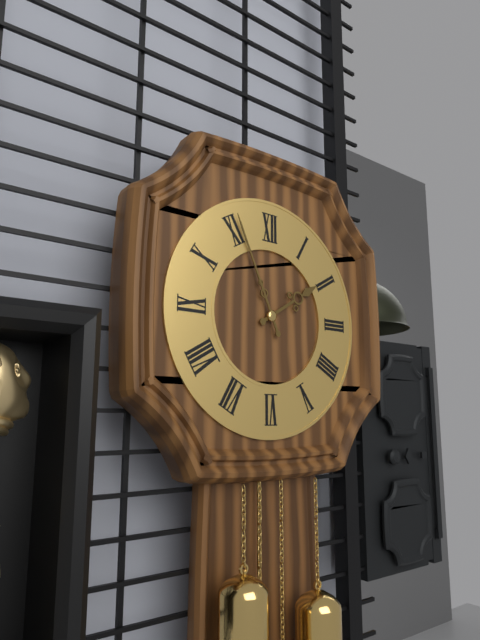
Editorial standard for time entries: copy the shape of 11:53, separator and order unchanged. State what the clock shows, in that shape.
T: 1:56
